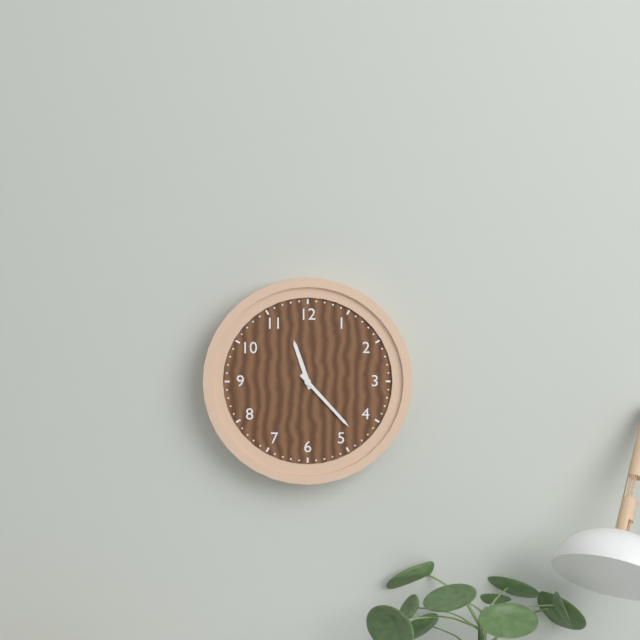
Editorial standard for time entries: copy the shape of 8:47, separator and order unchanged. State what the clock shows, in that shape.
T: 11:23
